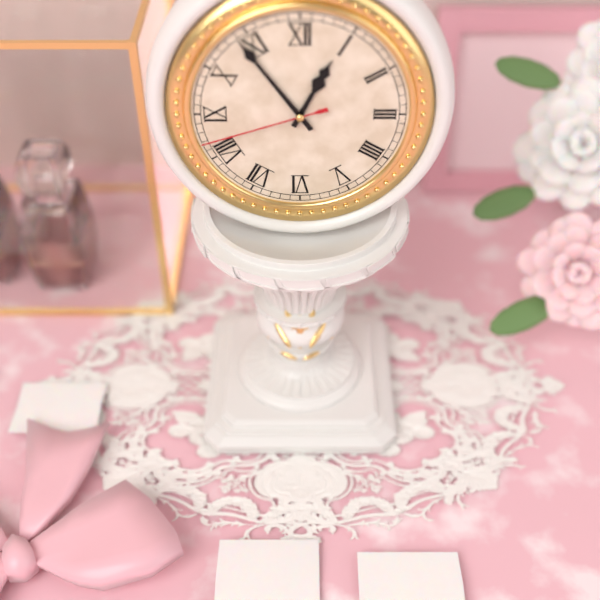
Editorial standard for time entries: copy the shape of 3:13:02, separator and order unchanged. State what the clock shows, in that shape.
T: 12:54:42
